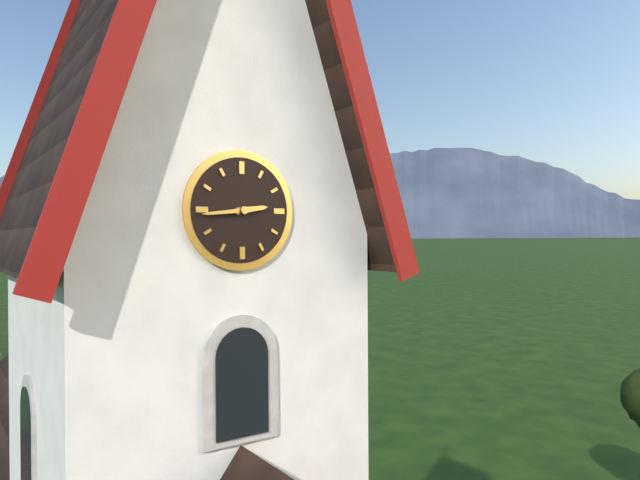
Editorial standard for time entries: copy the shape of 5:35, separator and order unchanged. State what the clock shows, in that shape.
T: 2:44
